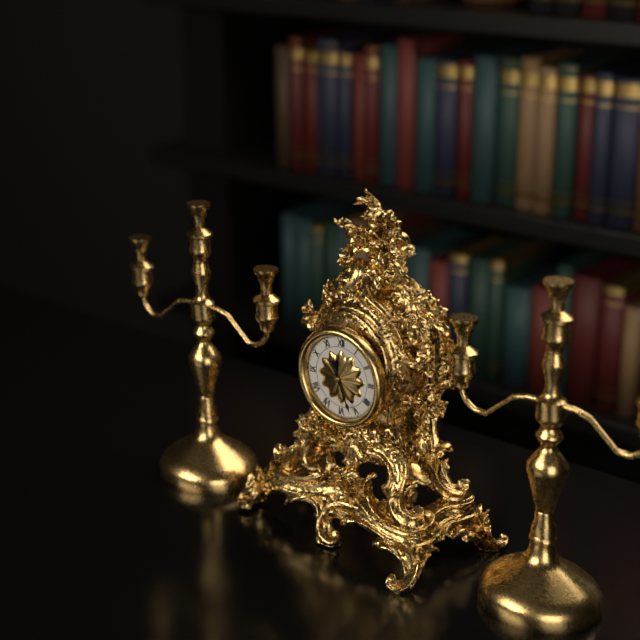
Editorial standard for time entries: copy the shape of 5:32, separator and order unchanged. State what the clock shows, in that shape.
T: 11:26
